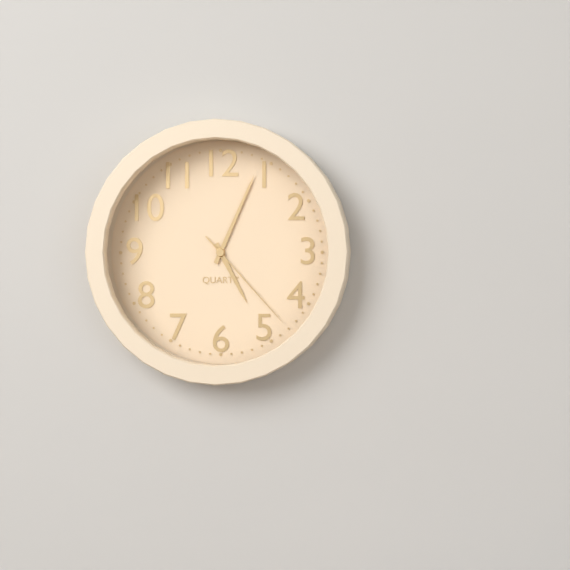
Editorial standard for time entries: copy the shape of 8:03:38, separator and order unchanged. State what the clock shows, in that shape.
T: 5:04:23
